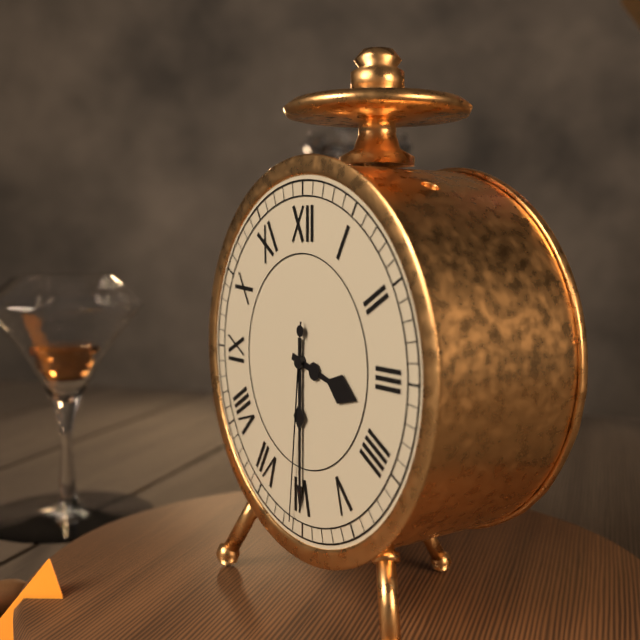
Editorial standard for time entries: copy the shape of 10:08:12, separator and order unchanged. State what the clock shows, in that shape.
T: 3:30:31
